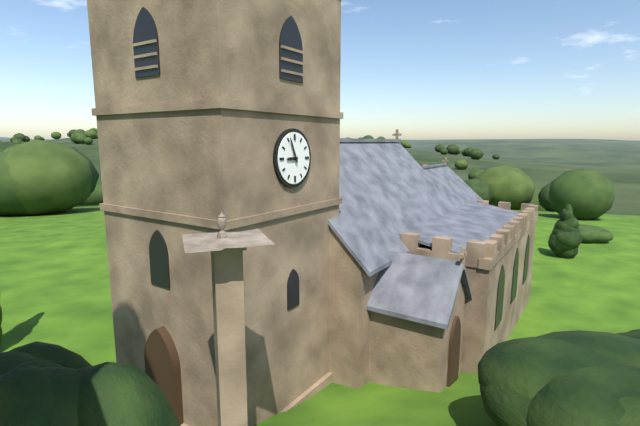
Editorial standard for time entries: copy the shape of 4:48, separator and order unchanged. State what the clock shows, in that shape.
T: 8:56
